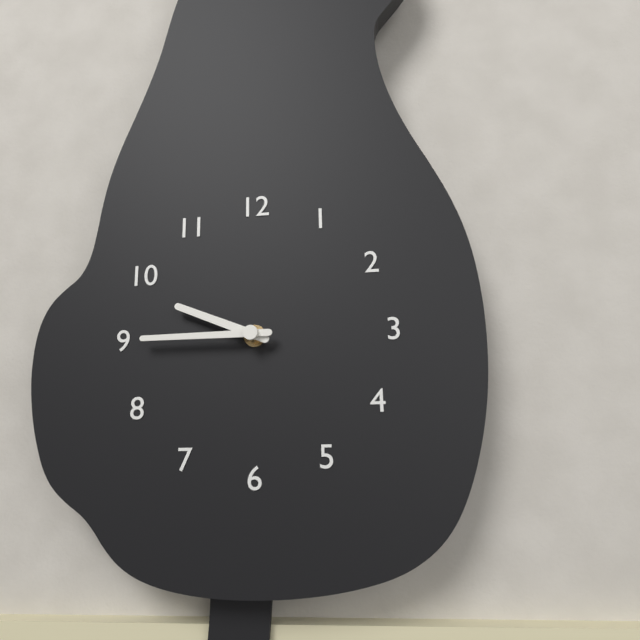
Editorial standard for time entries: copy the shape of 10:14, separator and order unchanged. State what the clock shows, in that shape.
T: 9:45
